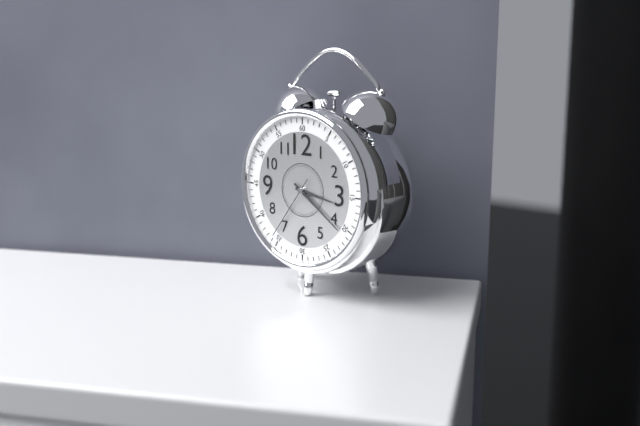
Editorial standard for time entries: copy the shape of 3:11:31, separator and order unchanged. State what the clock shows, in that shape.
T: 3:21:36
